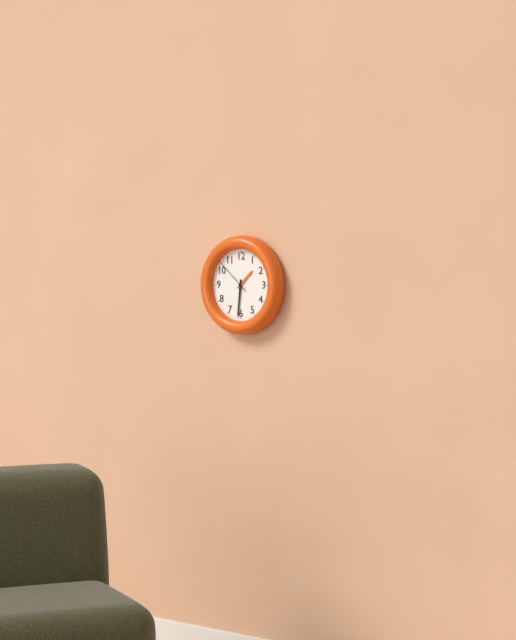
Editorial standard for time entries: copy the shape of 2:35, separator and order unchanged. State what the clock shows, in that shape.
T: 1:31
